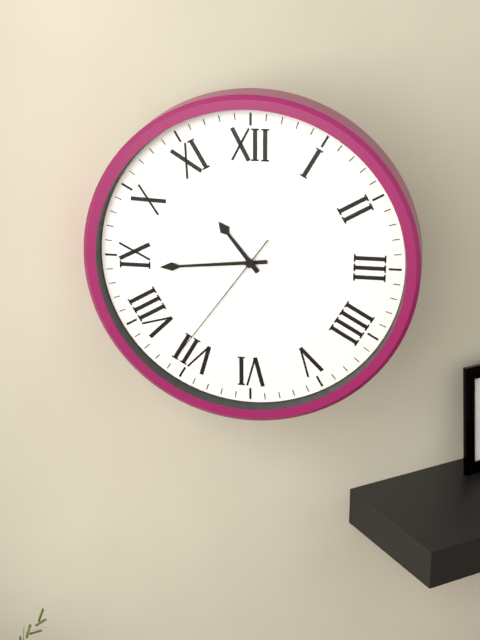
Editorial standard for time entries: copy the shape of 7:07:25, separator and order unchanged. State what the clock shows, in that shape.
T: 10:44:36
